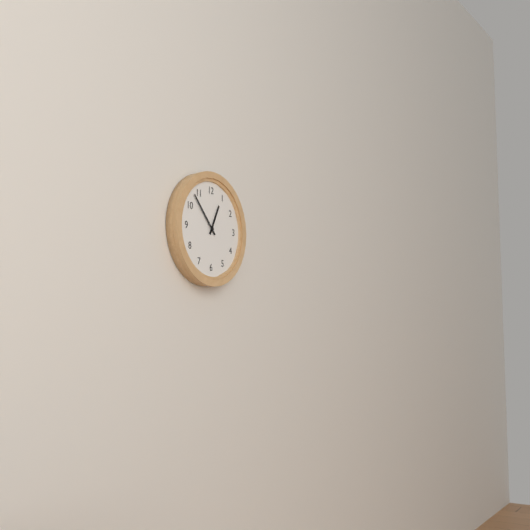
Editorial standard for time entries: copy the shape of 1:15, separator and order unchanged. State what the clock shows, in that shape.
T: 12:53
